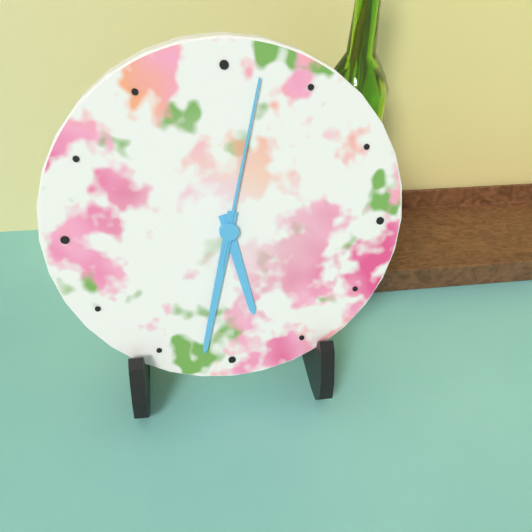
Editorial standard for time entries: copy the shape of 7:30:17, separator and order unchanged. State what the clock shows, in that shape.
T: 5:32:02
